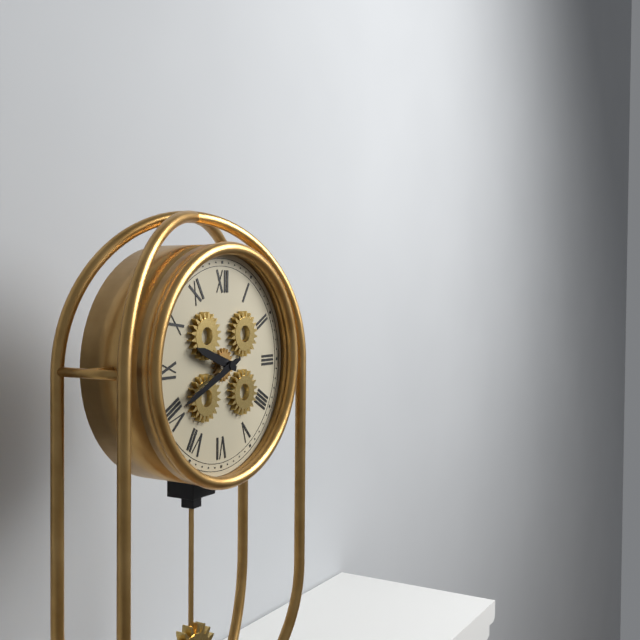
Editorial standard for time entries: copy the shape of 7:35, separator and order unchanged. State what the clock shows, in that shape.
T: 9:41
